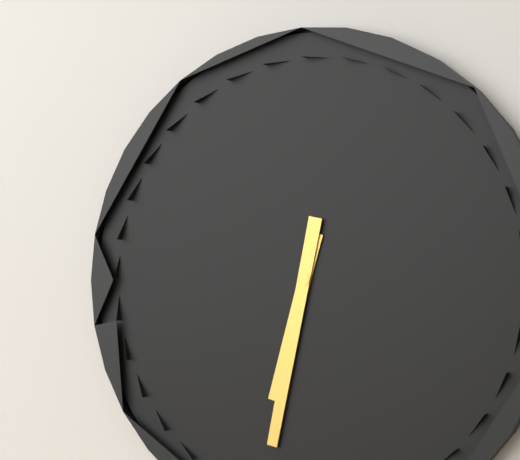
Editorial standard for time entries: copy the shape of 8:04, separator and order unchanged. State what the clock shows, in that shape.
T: 6:32
